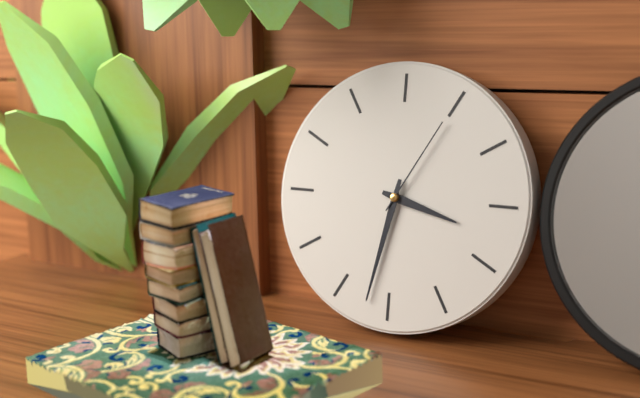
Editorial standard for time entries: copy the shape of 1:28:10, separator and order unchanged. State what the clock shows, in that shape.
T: 3:32:05
